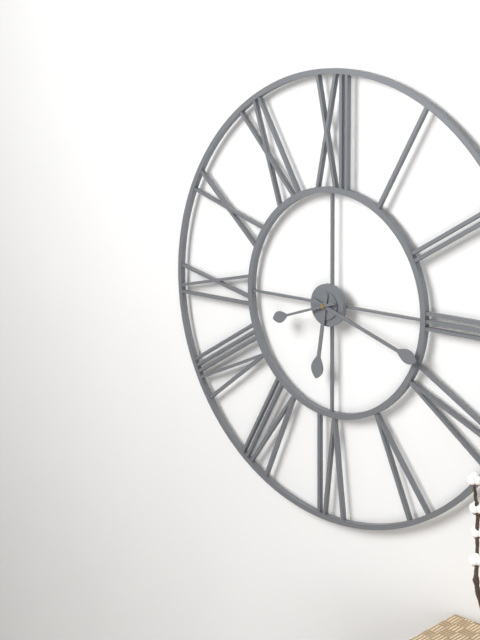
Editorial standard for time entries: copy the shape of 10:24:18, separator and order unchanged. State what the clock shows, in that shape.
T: 6:18:42
